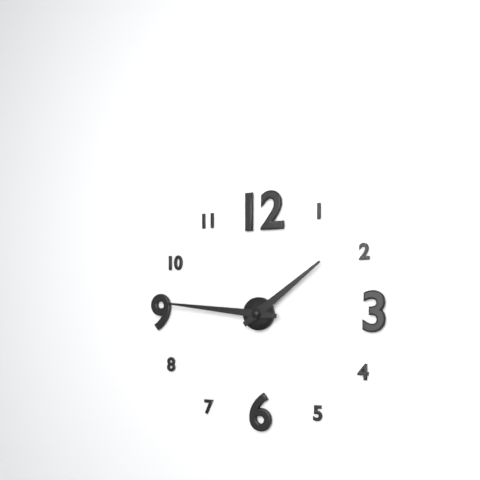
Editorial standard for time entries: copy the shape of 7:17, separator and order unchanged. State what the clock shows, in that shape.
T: 1:46
